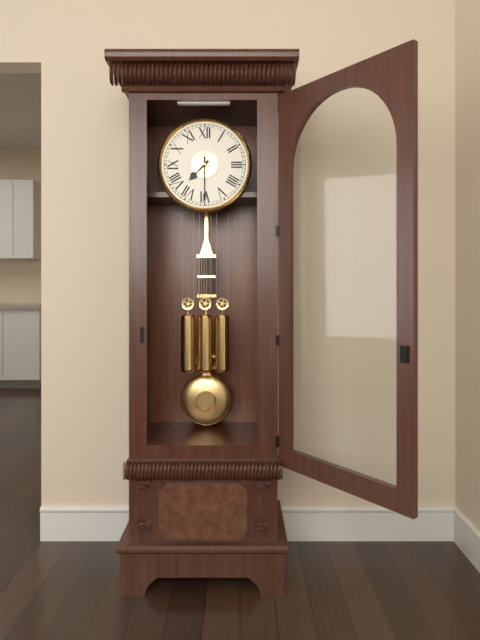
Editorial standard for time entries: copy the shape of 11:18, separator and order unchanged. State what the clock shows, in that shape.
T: 7:30
